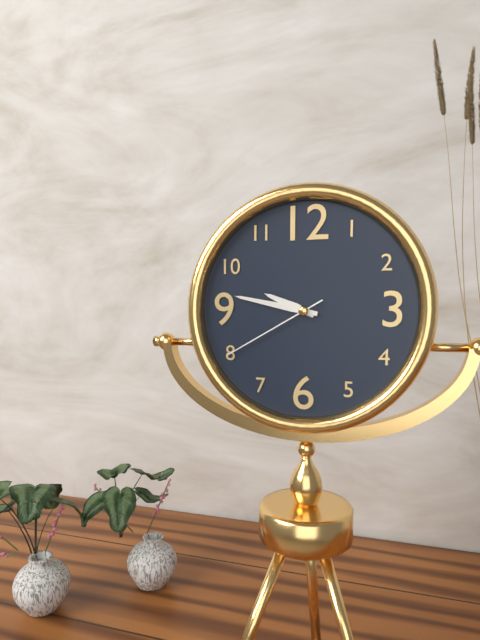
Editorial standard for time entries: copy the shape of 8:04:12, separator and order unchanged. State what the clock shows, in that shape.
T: 9:47:40
